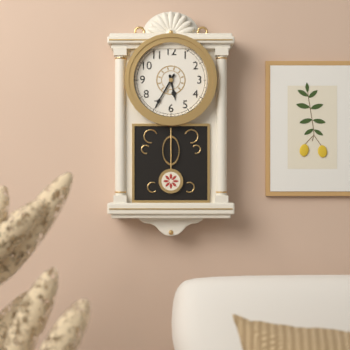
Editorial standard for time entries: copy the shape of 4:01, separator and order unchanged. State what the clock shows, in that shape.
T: 5:35
